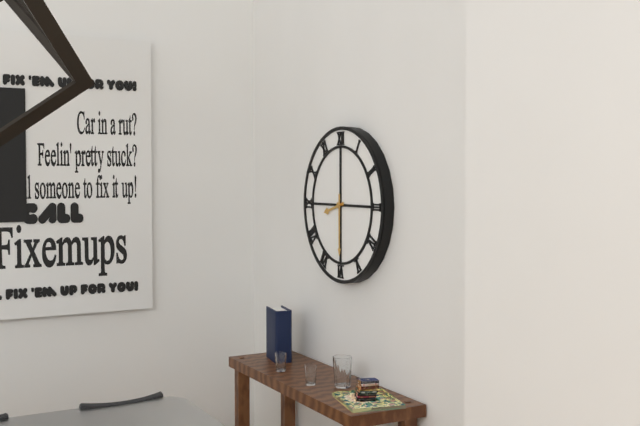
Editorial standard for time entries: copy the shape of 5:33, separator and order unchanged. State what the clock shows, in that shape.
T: 8:30
